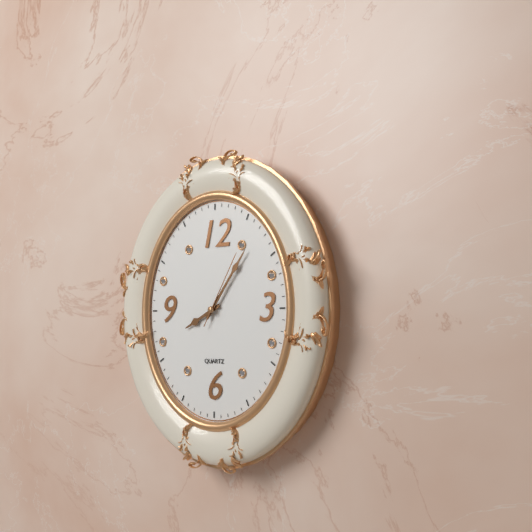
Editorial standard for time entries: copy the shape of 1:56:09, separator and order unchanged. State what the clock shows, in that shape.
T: 8:06:05
